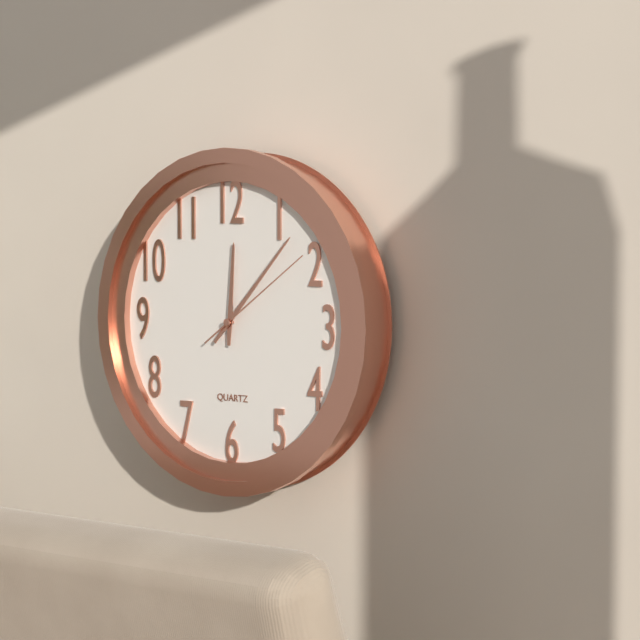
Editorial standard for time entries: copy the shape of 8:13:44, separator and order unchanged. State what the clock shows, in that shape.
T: 12:07:09
